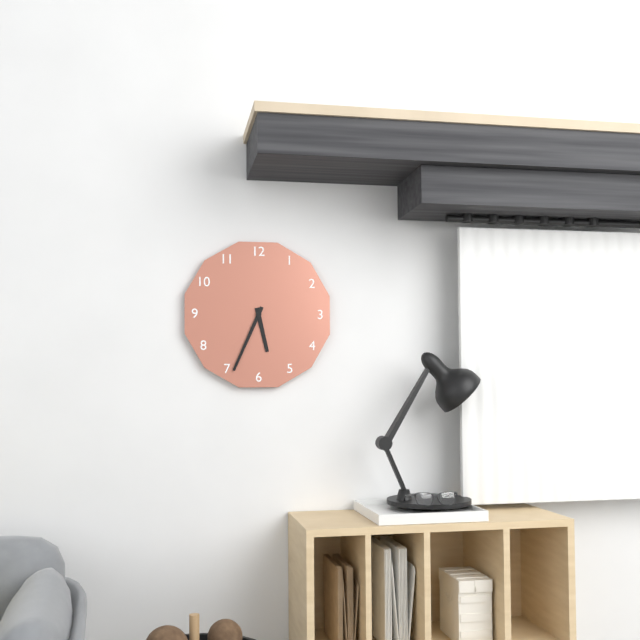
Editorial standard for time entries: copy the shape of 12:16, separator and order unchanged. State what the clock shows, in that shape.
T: 5:34
